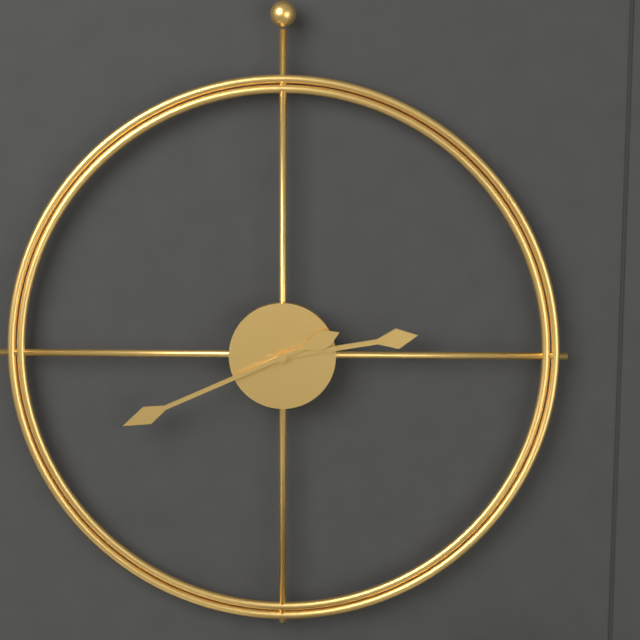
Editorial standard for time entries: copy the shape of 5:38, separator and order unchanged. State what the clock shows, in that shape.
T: 2:41
